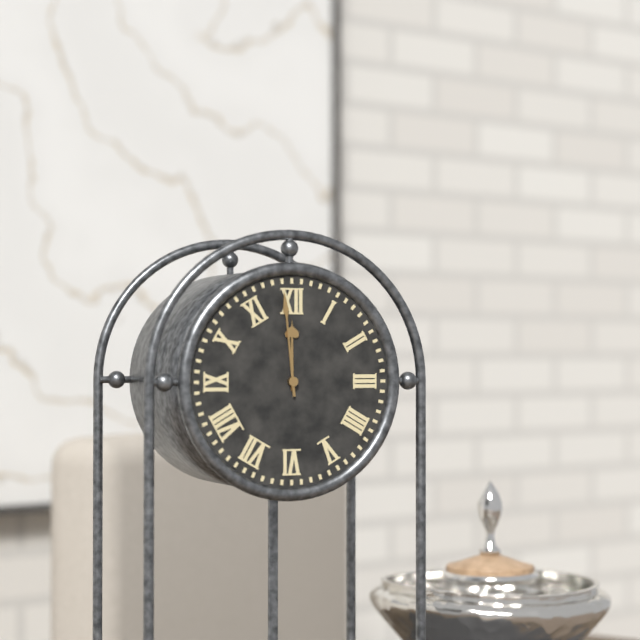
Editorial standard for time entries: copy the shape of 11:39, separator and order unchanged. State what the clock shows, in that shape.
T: 11:59
